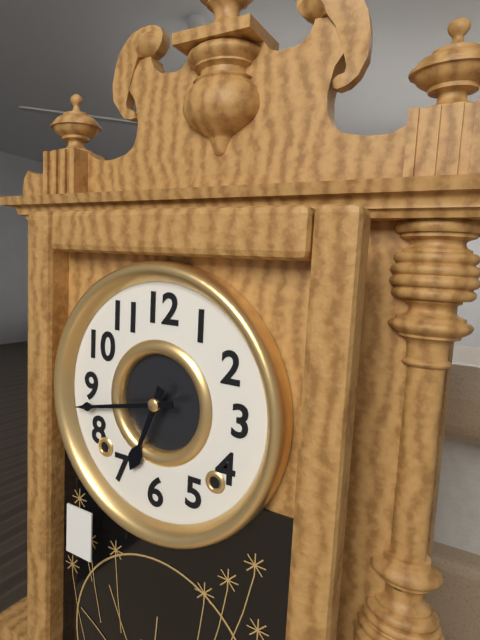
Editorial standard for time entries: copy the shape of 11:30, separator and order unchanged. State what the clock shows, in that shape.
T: 6:43
